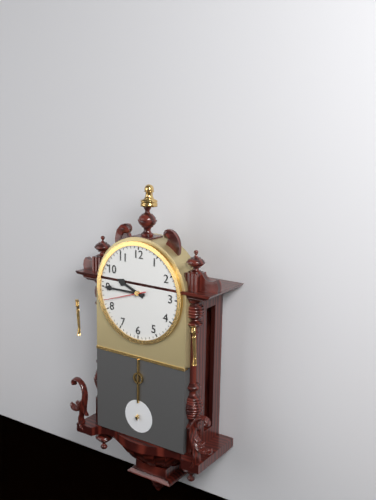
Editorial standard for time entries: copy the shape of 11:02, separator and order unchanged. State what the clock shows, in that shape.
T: 9:45
